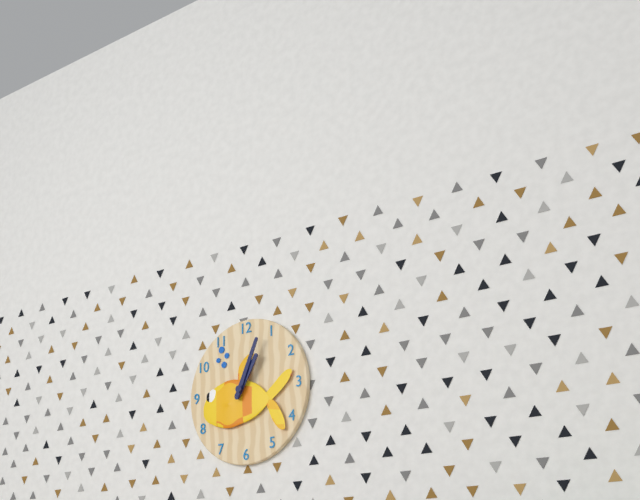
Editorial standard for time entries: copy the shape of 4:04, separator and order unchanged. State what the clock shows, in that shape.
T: 1:04
